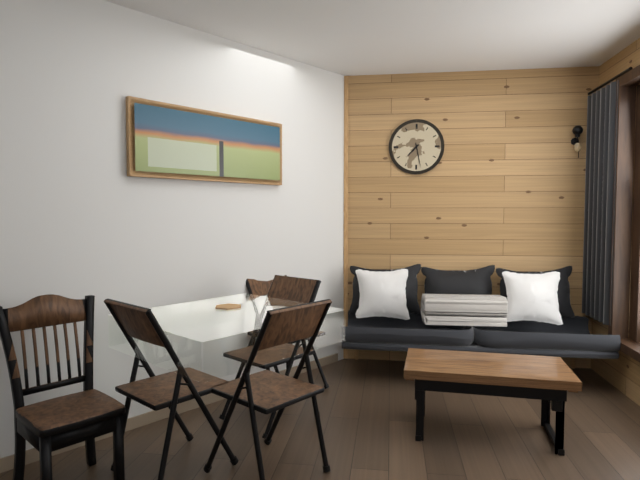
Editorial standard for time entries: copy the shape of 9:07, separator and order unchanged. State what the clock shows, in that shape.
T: 7:28
